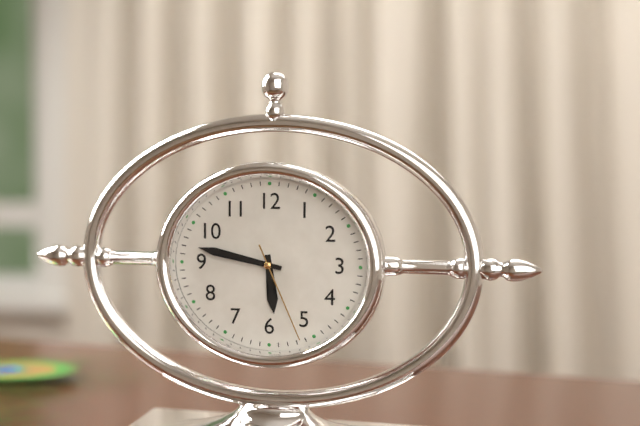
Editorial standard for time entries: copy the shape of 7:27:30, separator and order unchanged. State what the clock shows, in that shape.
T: 5:47:26
